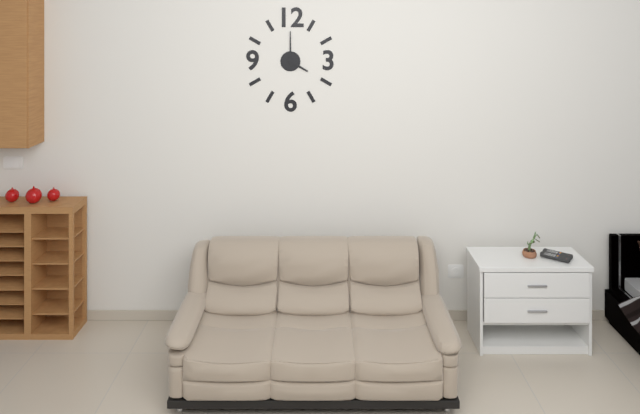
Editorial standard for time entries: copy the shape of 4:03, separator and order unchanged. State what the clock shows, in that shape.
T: 4:00
